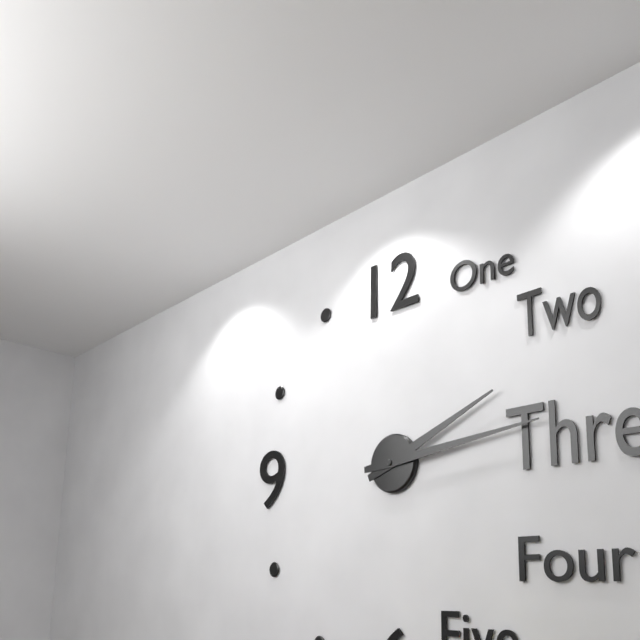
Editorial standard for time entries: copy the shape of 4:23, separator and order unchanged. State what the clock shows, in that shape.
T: 2:14
